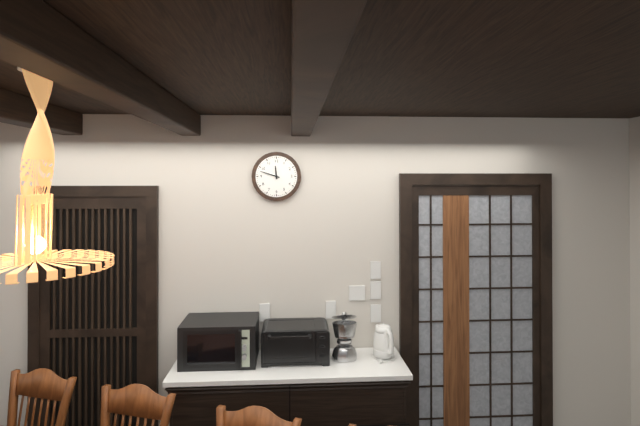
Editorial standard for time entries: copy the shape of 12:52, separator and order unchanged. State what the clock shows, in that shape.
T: 11:48
